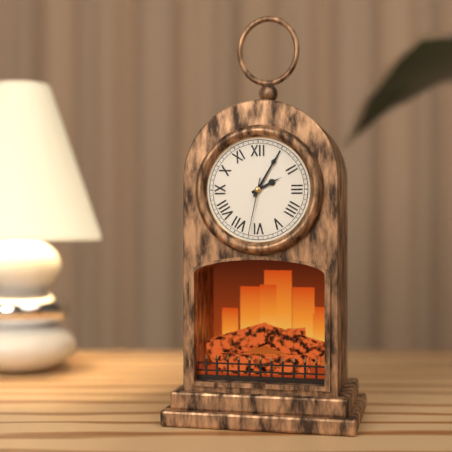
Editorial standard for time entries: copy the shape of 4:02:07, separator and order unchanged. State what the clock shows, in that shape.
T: 2:05:32
